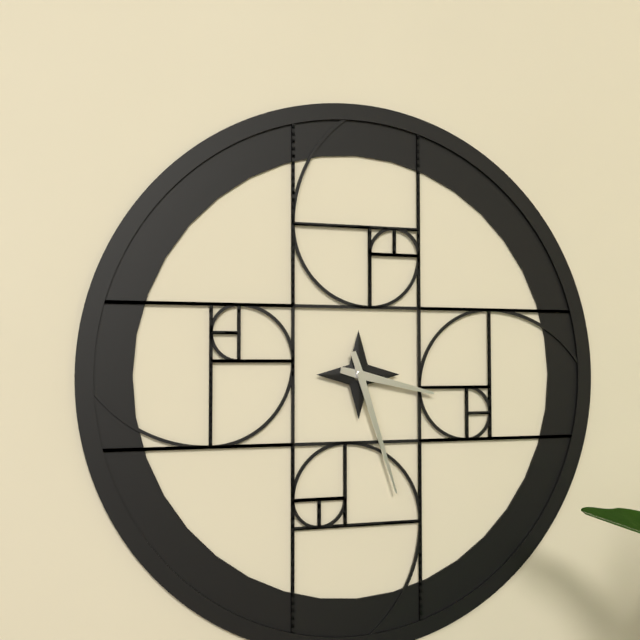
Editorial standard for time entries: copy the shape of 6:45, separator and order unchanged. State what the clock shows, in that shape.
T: 3:27
